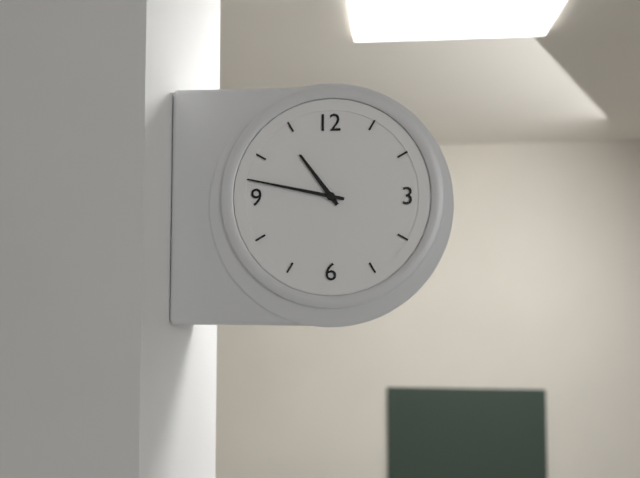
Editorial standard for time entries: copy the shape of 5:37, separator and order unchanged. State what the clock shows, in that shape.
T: 10:47
